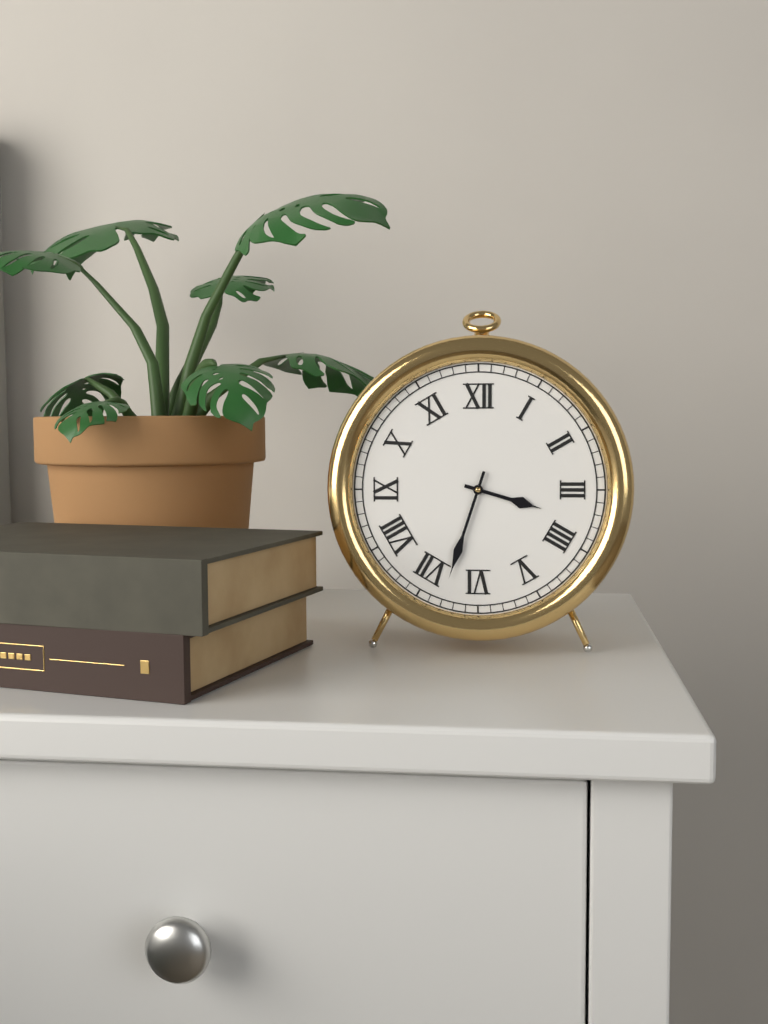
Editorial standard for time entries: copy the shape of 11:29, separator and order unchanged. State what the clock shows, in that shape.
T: 3:33
